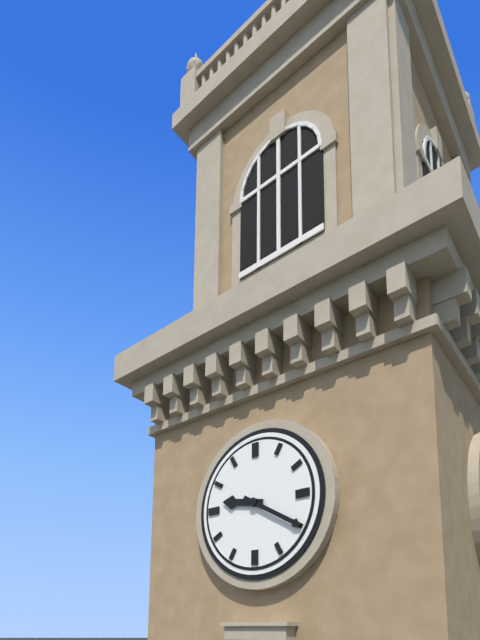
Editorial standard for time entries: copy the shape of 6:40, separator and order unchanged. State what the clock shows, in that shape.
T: 9:20
